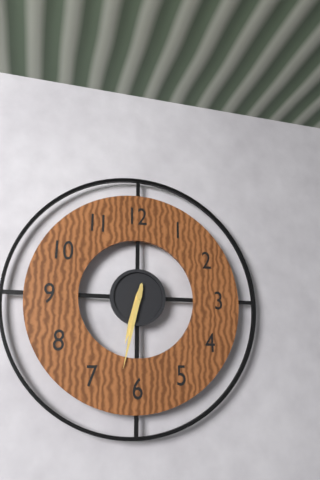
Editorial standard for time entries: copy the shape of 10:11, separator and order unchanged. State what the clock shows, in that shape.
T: 6:32
